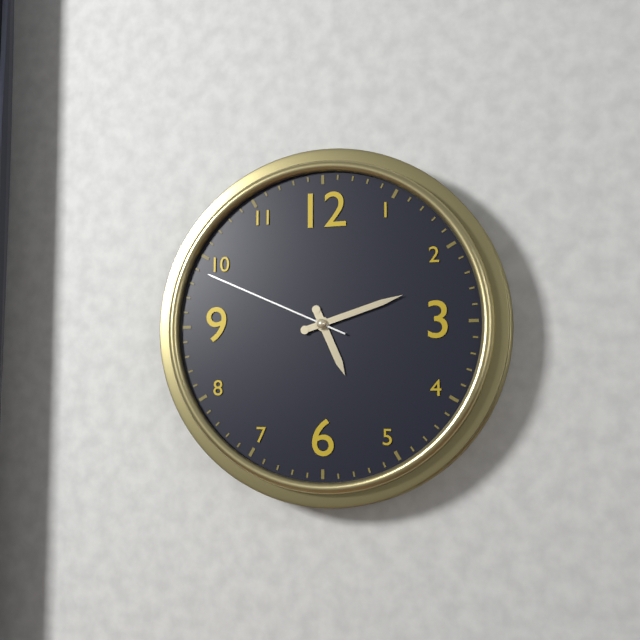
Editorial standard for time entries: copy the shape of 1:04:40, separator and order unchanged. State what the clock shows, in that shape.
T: 5:12:49
